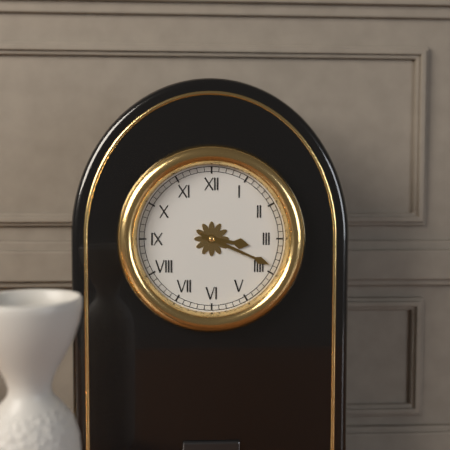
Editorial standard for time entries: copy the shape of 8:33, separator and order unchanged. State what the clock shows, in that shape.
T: 3:19
